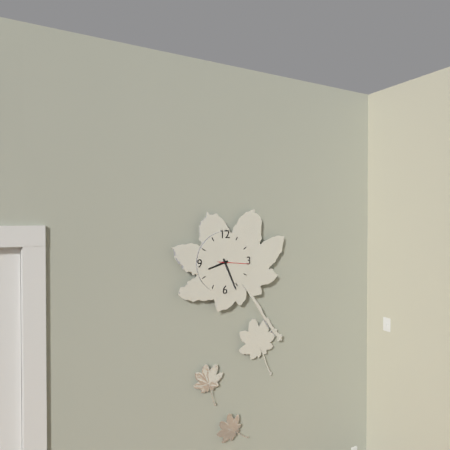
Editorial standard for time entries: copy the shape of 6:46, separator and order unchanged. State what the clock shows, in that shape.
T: 8:26
